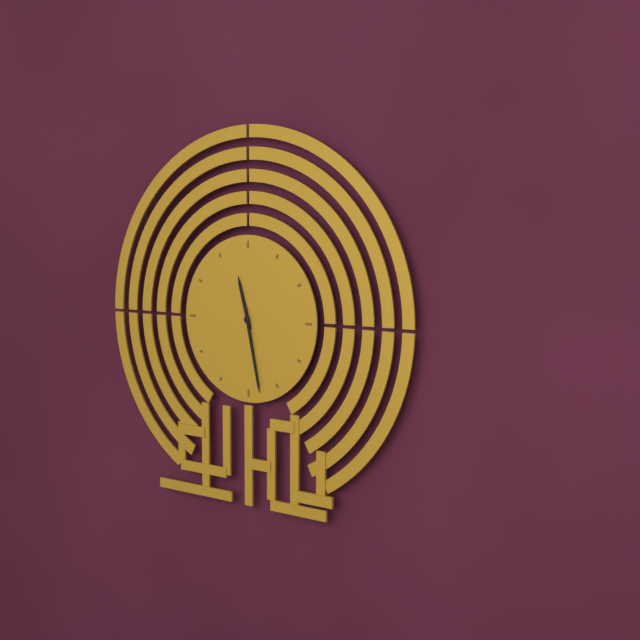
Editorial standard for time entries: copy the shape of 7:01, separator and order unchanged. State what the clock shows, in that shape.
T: 11:28
